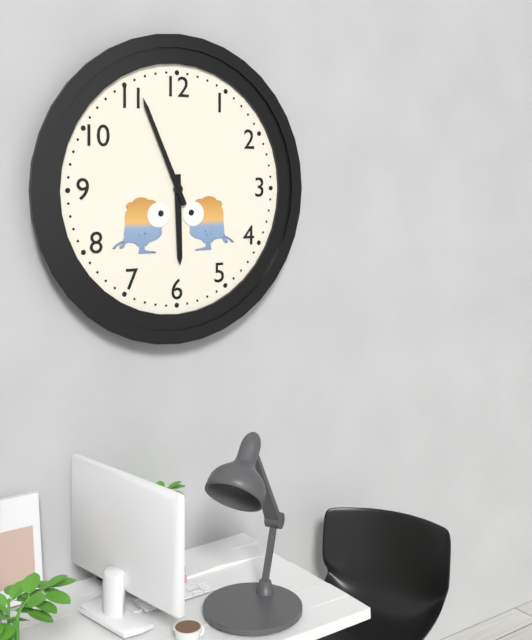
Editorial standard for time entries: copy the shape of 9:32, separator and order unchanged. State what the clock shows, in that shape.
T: 5:56
